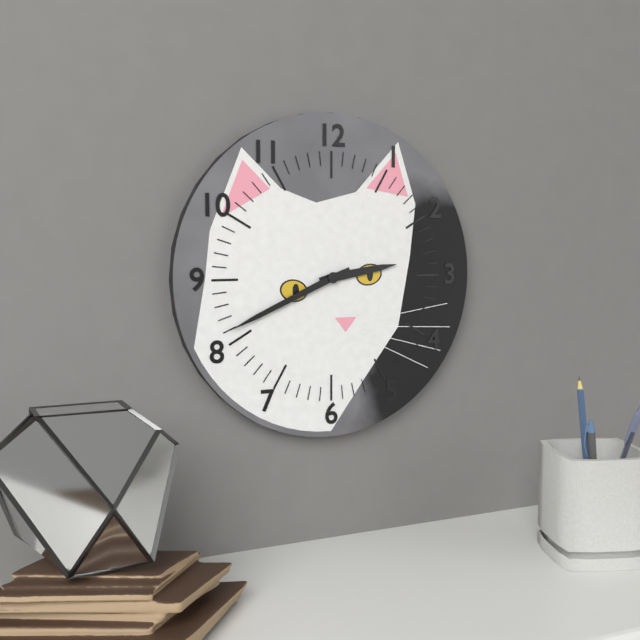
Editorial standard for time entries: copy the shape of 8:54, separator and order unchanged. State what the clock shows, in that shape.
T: 2:41
